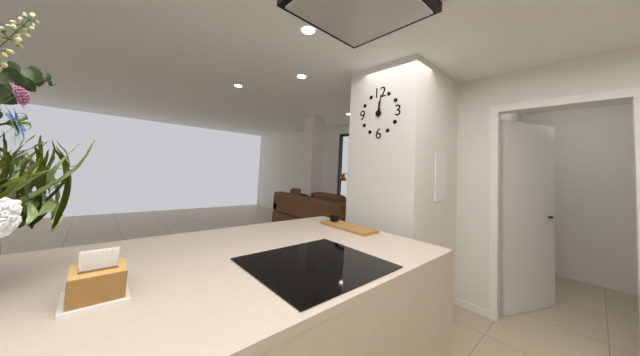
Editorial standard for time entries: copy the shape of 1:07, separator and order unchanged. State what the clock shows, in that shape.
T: 12:01
